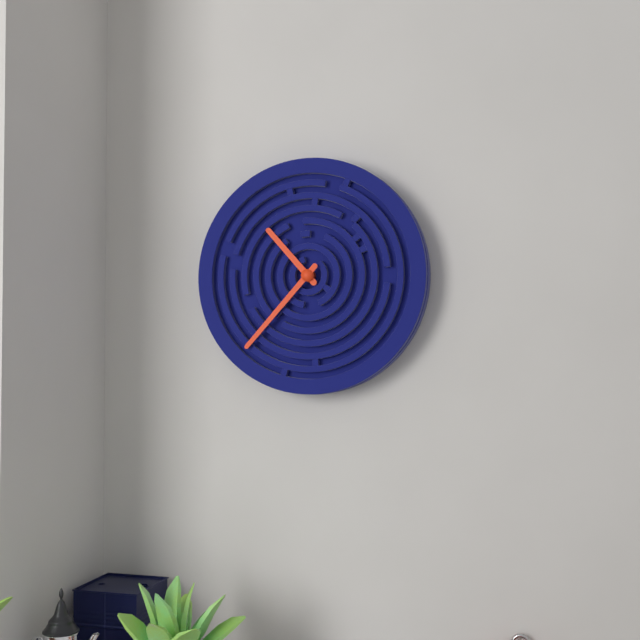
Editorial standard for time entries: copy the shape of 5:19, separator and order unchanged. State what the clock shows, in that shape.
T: 10:37
